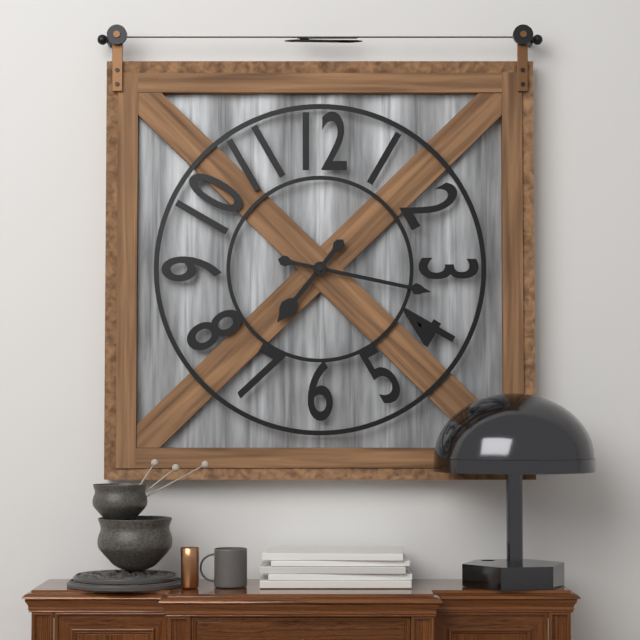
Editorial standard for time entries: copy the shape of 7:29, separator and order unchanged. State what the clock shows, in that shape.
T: 7:17
